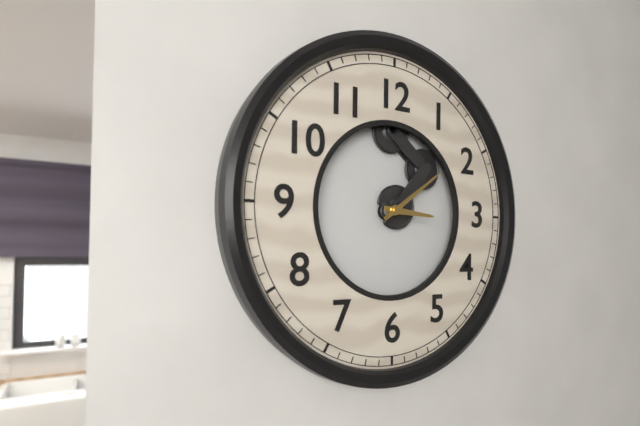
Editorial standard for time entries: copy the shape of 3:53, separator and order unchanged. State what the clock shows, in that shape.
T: 3:09
